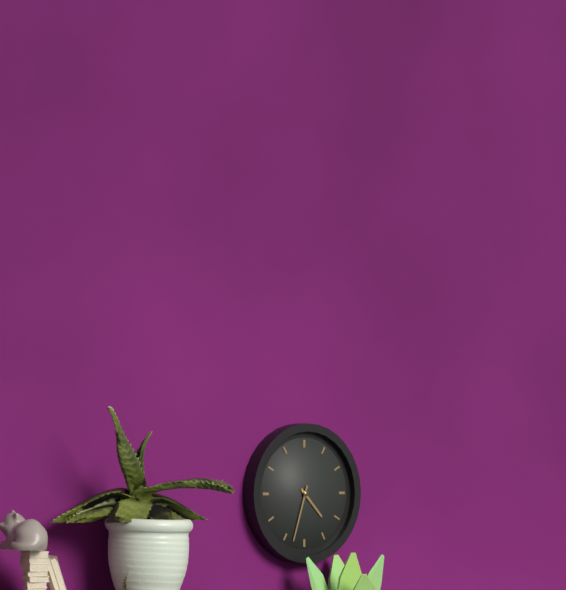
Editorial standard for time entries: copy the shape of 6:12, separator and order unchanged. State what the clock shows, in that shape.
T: 4:33
